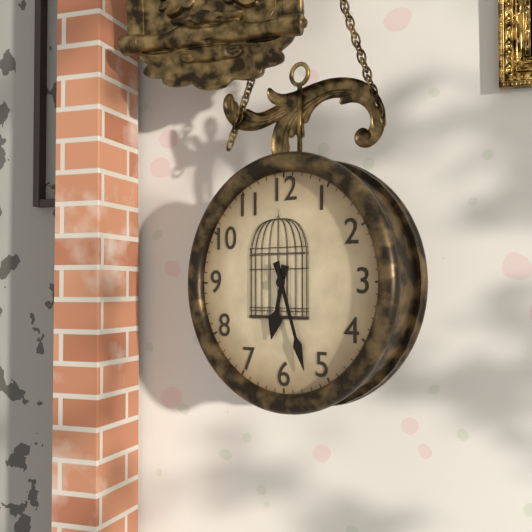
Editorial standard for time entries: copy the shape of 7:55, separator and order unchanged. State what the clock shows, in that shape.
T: 6:27
